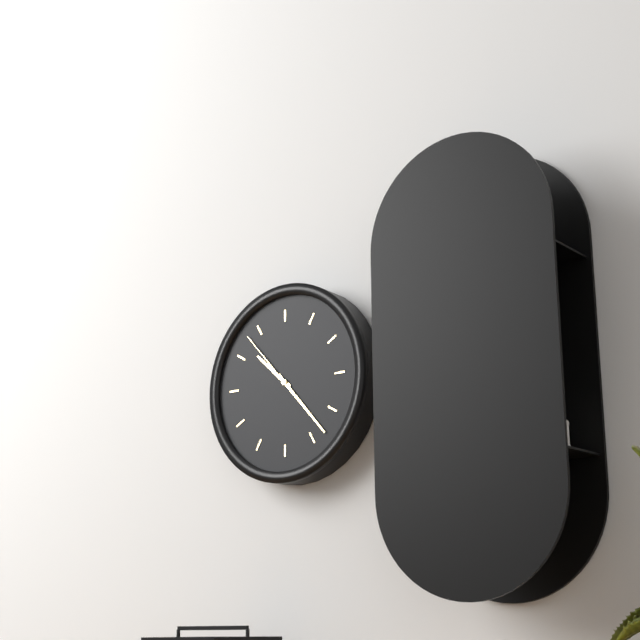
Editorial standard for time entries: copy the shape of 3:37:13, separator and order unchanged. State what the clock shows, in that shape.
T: 10:23:53
